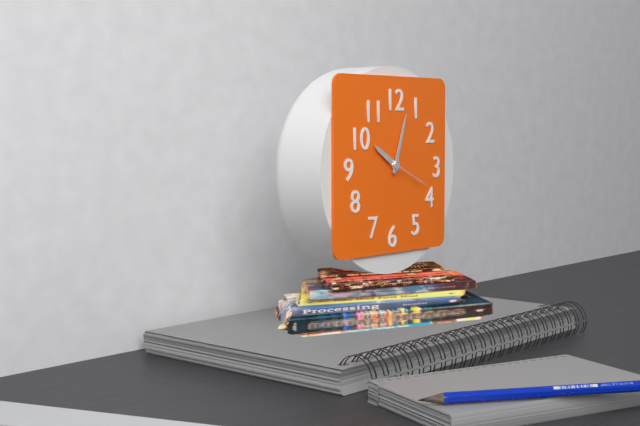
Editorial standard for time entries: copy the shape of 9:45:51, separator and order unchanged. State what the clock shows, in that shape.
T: 10:03:19
